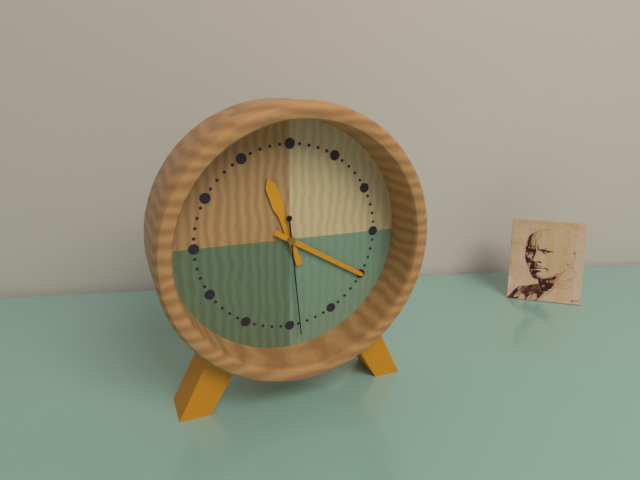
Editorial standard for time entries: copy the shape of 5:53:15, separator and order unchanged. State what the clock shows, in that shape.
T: 11:20:29
